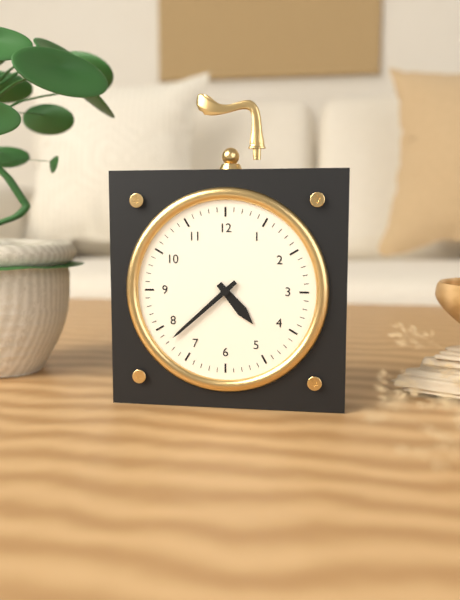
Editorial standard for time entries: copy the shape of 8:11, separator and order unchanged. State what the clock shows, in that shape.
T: 4:38
